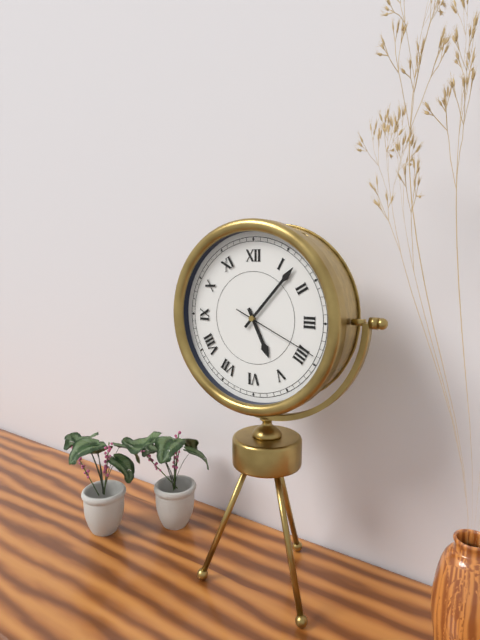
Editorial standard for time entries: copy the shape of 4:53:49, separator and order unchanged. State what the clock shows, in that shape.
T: 5:07:19
